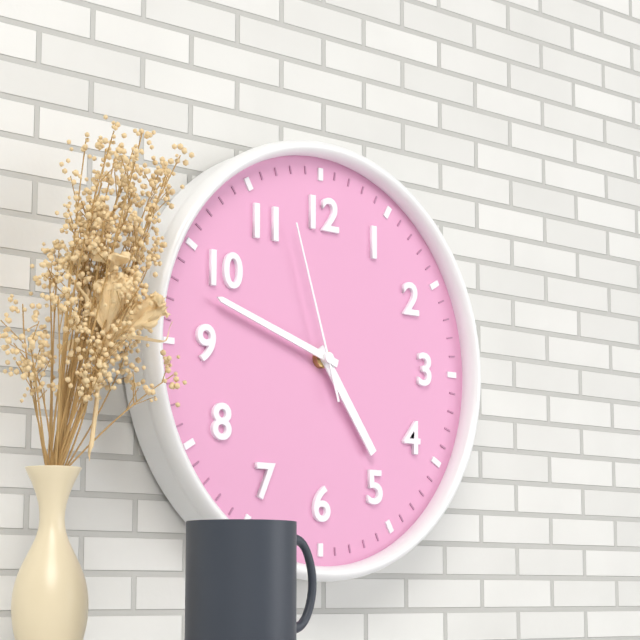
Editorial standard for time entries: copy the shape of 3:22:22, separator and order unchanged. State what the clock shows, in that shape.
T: 4:48:57
